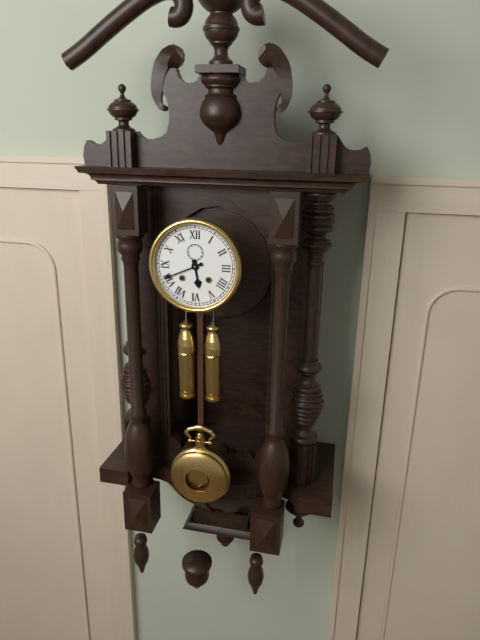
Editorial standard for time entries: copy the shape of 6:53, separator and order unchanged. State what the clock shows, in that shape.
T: 5:41
